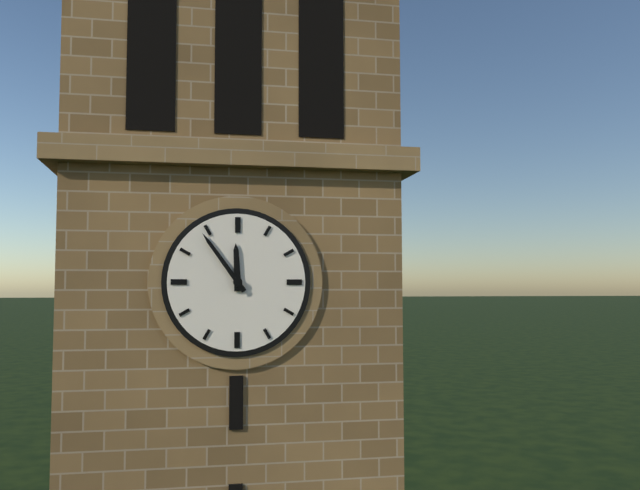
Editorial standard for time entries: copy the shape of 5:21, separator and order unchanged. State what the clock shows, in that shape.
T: 11:54
